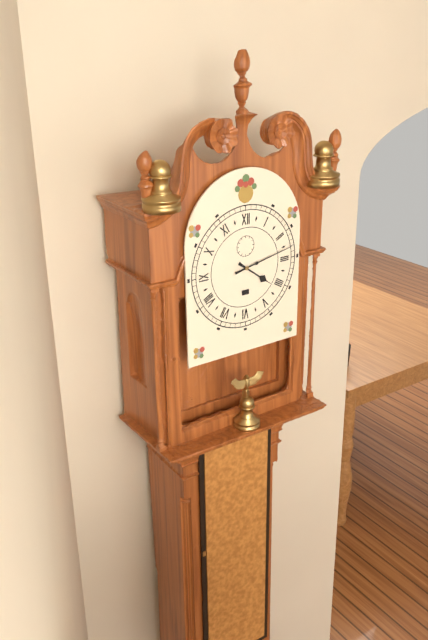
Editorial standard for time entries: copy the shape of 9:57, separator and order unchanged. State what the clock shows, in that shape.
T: 4:13
